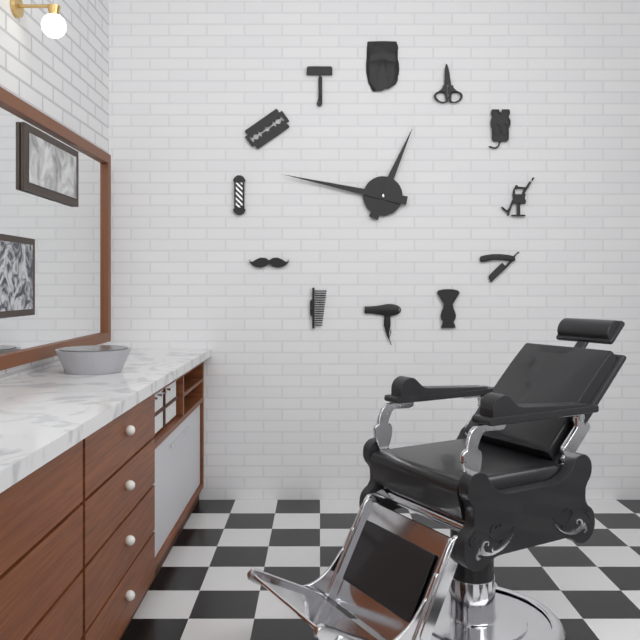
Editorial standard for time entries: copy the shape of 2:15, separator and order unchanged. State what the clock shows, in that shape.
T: 12:47
